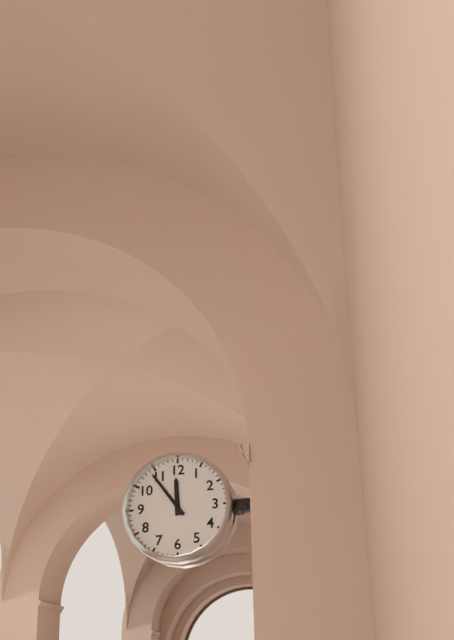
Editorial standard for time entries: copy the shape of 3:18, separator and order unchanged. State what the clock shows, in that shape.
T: 11:54
